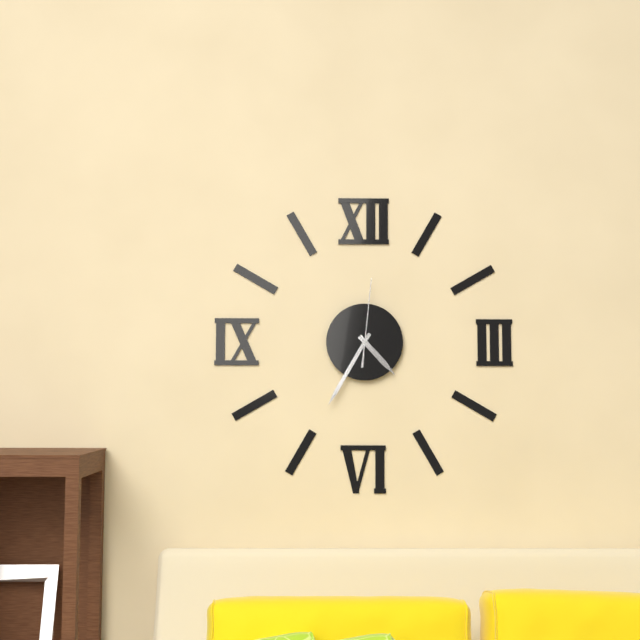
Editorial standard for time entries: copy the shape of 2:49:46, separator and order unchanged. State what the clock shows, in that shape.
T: 4:35:01
